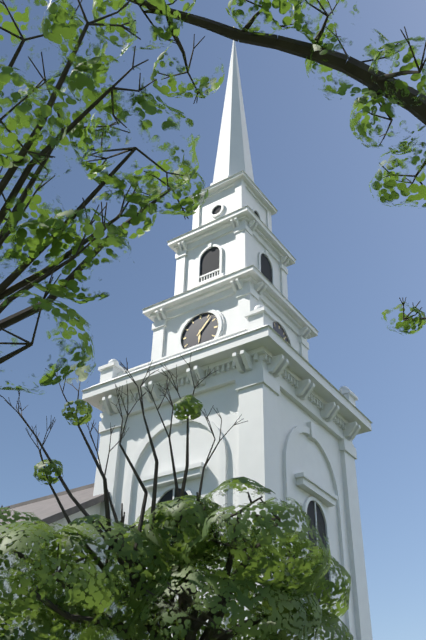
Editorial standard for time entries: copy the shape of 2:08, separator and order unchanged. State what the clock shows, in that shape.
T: 6:07
